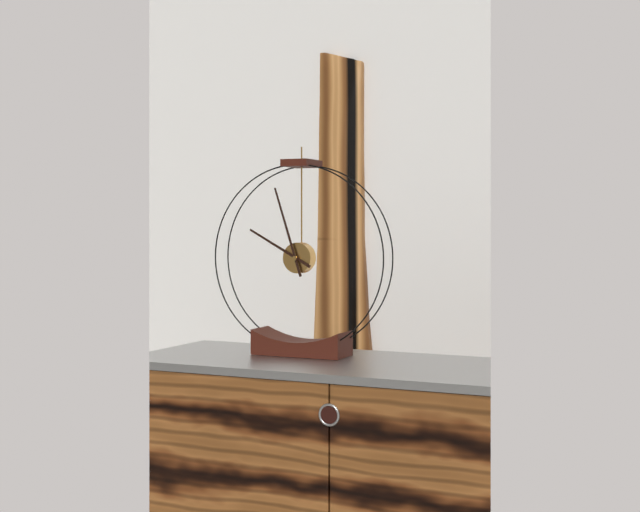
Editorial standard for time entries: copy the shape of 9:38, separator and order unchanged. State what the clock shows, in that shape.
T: 9:57
